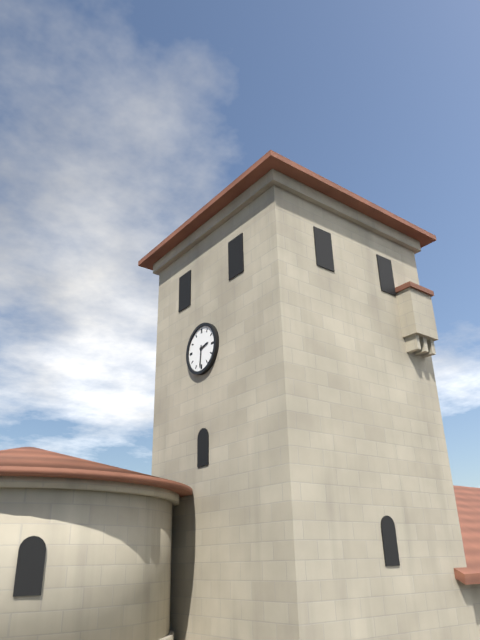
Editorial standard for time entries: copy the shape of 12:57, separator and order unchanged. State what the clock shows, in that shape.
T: 2:31
